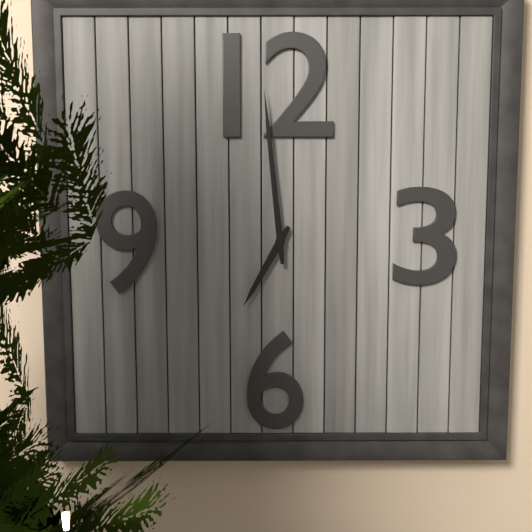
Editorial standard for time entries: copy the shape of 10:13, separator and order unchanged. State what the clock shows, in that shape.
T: 6:59
